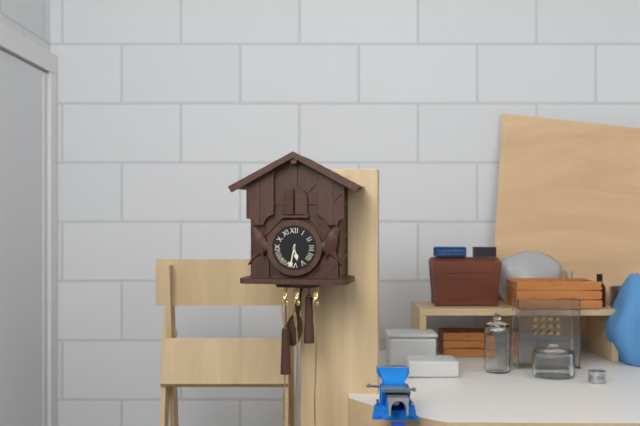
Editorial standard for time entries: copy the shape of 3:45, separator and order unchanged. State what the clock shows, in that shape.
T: 5:32
